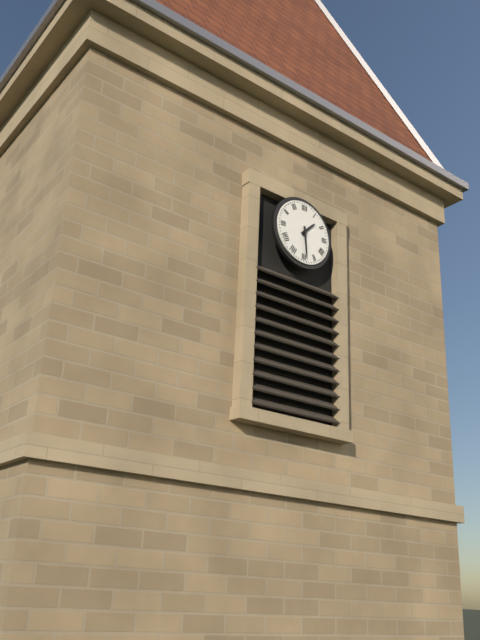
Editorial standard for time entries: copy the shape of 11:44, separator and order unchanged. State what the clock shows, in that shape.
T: 1:29
